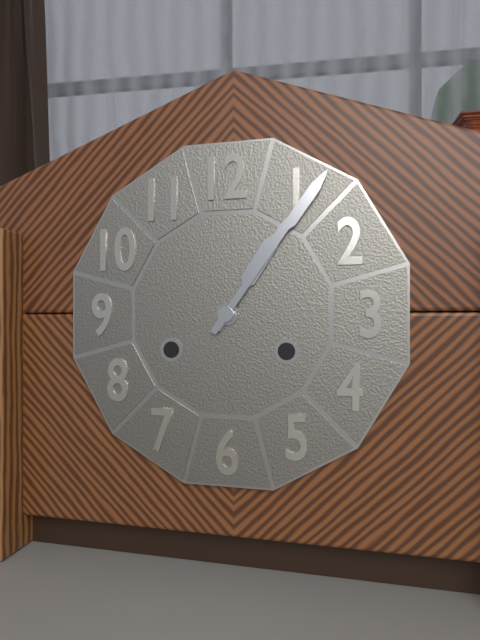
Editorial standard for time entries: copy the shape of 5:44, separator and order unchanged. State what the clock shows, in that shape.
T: 1:06
